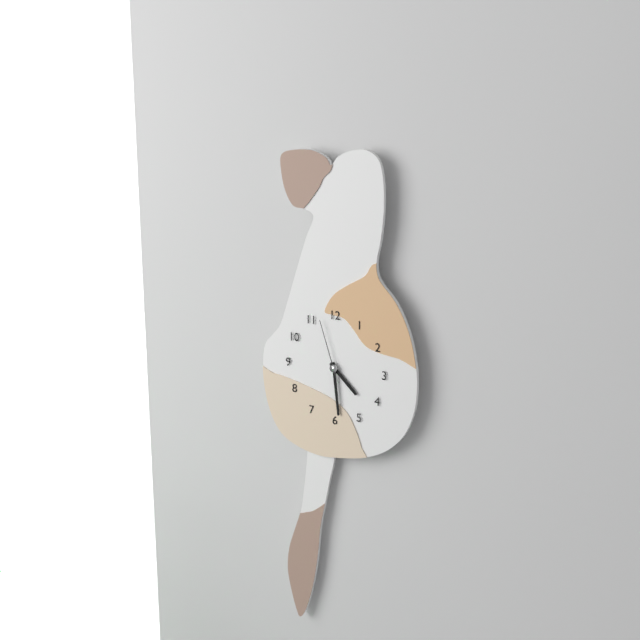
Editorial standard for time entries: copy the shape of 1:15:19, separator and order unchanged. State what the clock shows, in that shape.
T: 4:29:57
